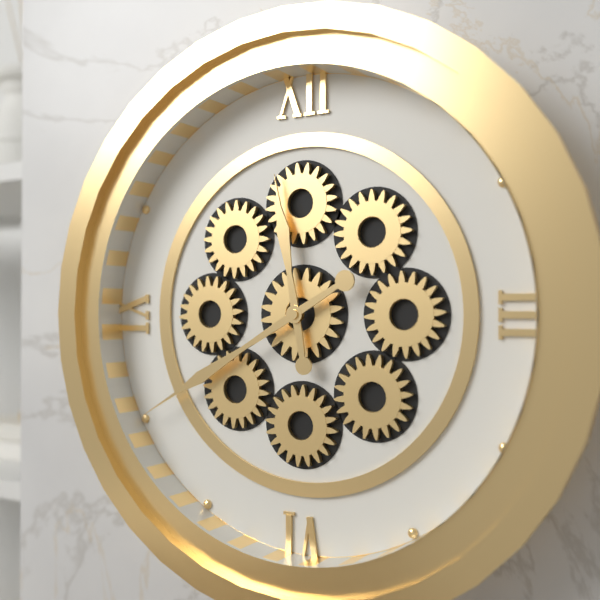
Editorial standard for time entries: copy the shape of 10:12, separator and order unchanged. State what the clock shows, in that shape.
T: 11:40
